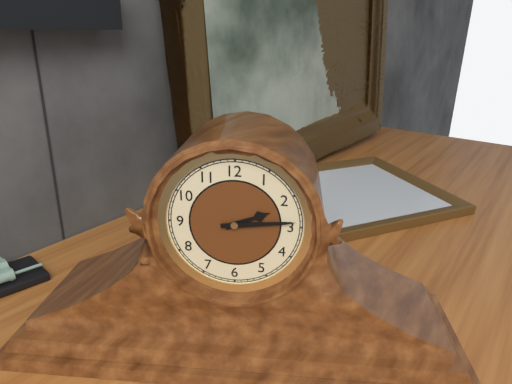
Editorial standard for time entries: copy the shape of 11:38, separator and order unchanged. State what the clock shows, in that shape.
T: 2:14
